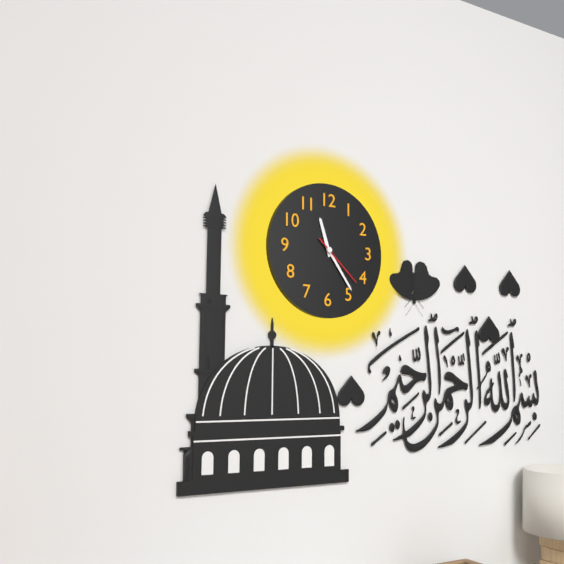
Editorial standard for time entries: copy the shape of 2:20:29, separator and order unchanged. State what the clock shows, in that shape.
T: 11:24:22
